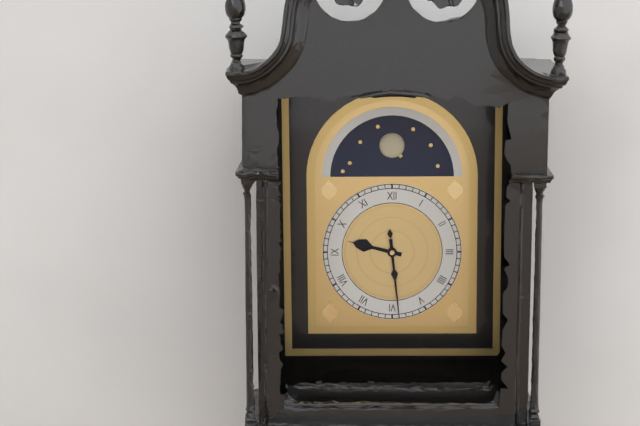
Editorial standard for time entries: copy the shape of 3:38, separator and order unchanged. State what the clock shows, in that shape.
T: 9:29
